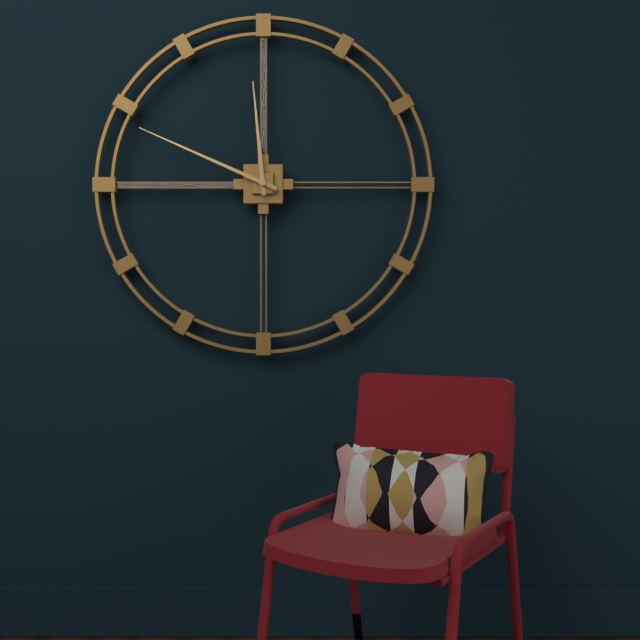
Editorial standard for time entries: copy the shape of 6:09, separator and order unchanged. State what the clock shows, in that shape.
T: 11:49
